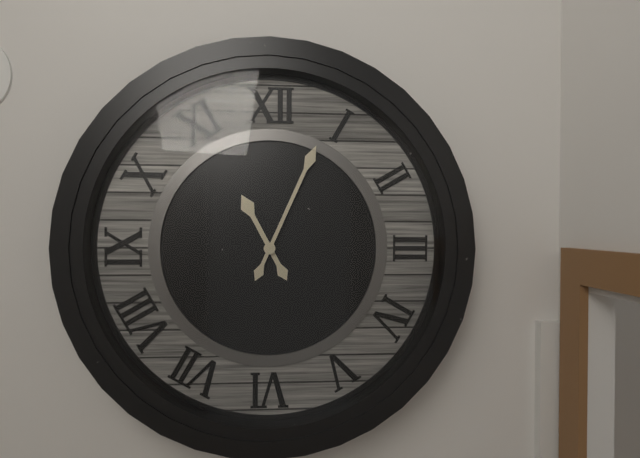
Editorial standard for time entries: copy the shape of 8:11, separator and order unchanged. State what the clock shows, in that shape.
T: 11:04
